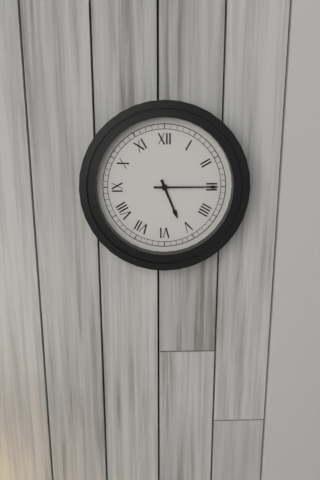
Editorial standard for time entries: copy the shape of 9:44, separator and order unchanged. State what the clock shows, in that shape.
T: 5:15
